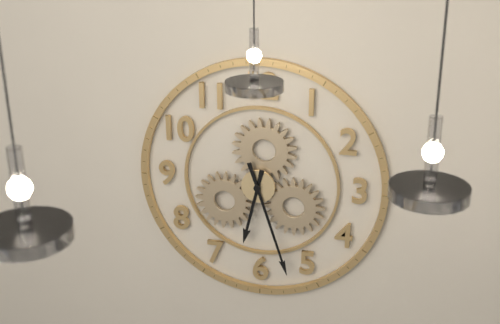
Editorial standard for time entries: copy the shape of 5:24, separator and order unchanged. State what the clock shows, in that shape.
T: 6:27
